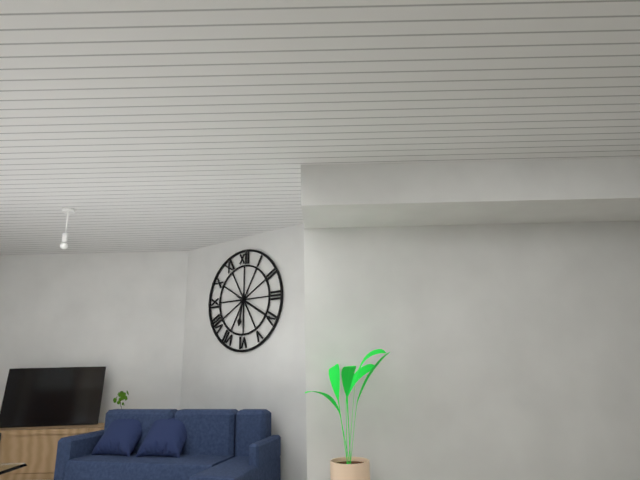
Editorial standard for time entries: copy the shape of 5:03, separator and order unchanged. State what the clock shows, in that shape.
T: 6:20
